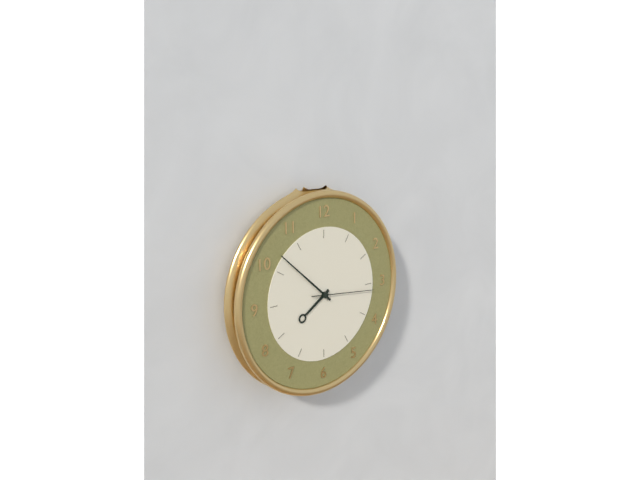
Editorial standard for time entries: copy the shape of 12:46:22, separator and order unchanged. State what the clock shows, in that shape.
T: 7:52:16
